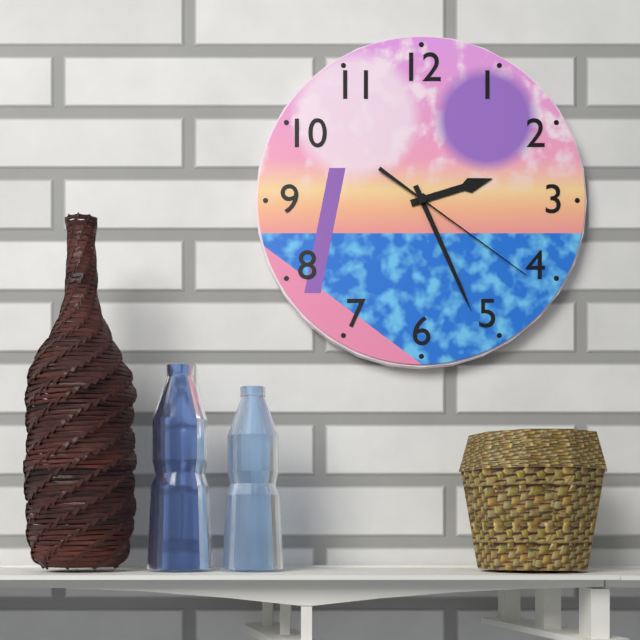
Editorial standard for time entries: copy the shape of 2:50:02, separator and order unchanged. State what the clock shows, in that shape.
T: 2:26:21
